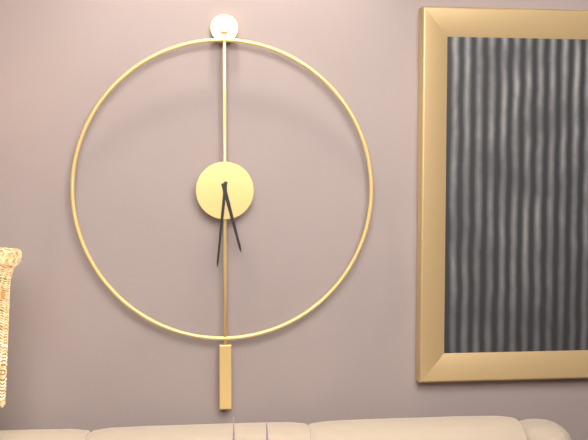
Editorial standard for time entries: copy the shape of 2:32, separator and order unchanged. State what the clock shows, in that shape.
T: 5:31
